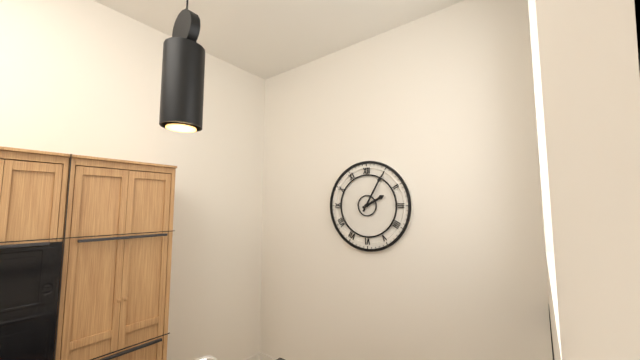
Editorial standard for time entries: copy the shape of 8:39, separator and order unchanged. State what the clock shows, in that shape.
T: 2:05
